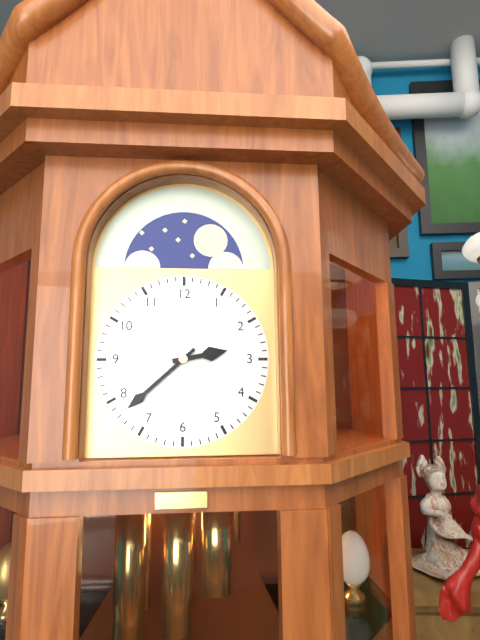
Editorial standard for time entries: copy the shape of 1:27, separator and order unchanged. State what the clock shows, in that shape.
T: 2:38
